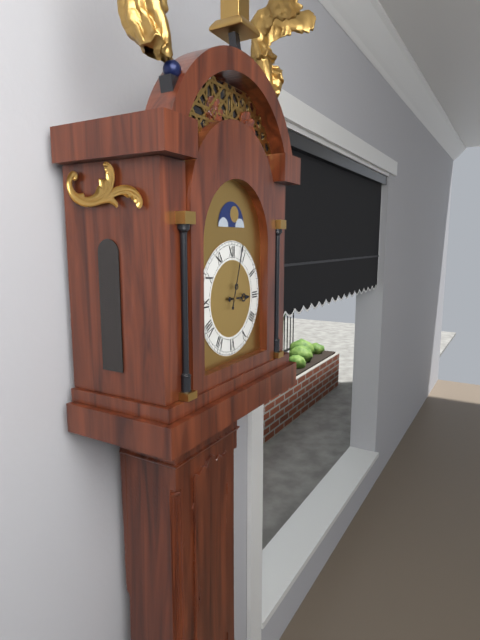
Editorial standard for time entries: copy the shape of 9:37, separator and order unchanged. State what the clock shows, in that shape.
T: 3:03
